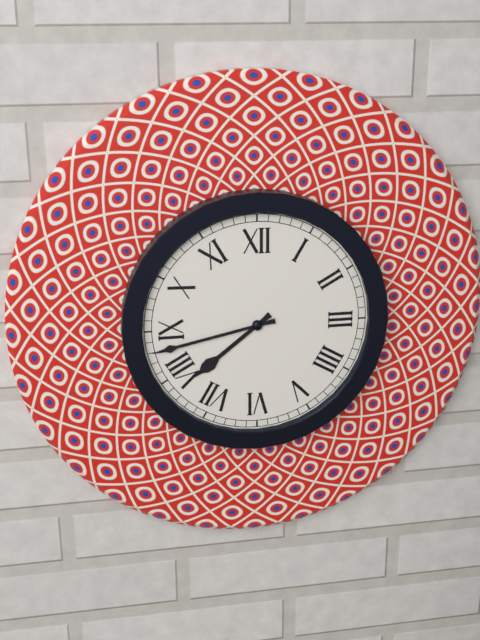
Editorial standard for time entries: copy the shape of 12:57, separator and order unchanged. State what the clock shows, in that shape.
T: 7:43
